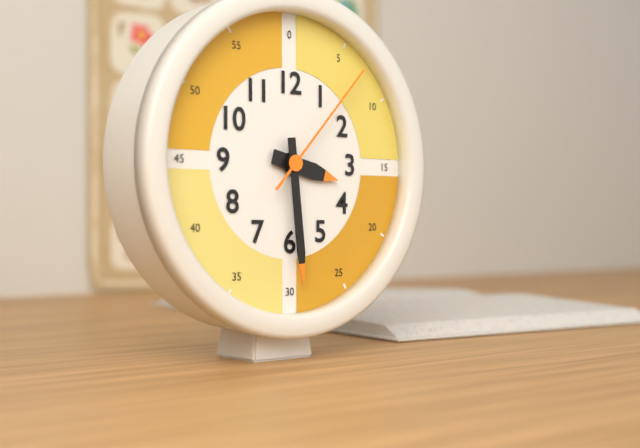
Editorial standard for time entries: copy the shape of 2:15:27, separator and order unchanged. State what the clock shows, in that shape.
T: 3:29:07
